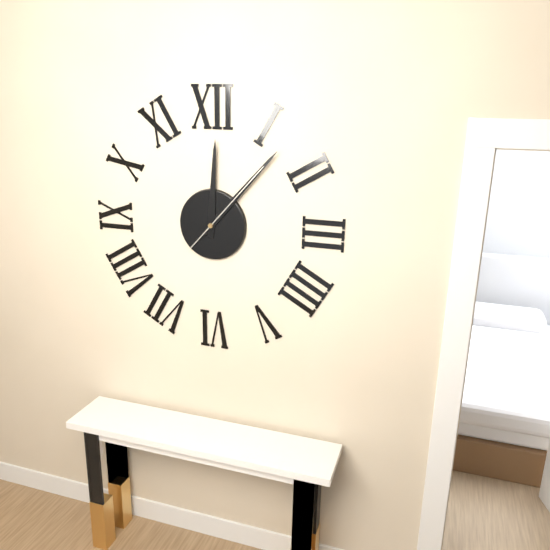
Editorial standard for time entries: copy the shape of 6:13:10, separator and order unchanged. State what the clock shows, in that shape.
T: 12:07:07
